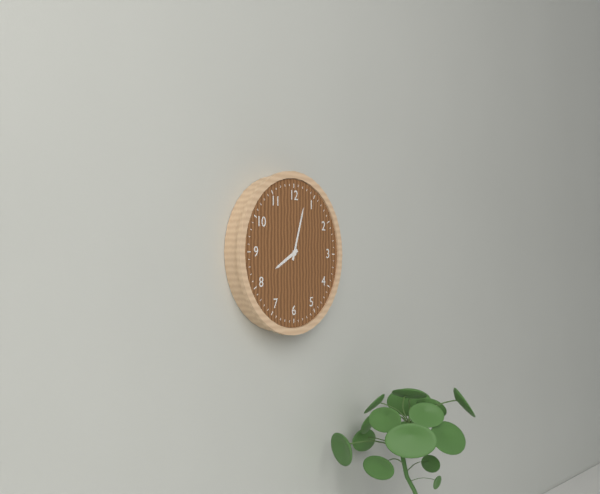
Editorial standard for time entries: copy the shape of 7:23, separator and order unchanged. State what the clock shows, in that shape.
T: 8:03
